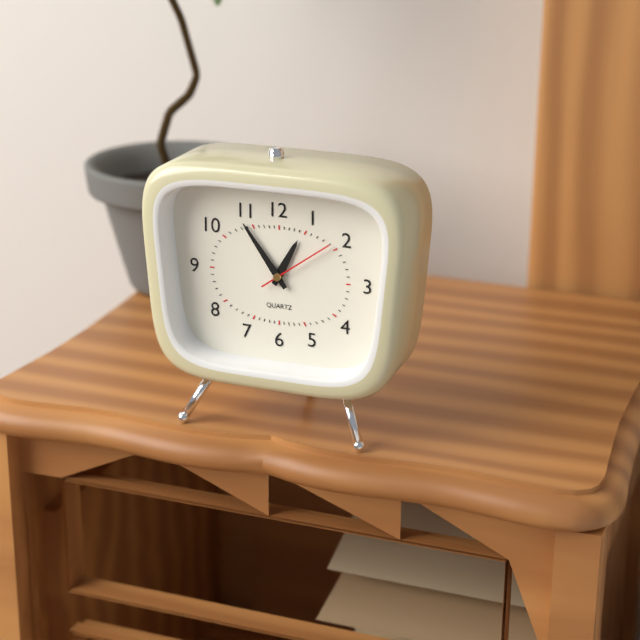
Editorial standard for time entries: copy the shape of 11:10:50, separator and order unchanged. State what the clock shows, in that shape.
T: 12:54:09
